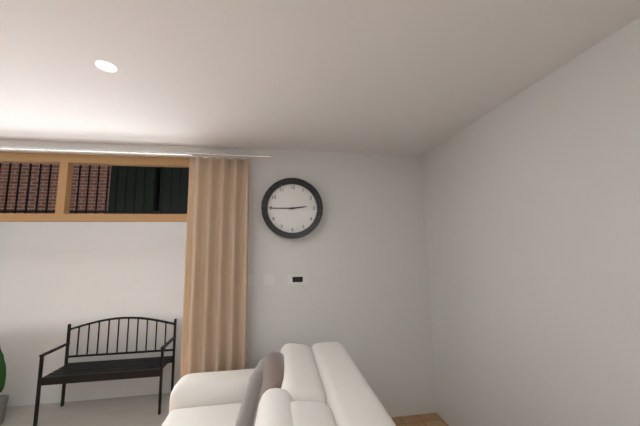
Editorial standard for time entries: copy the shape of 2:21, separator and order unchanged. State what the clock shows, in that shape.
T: 2:45
